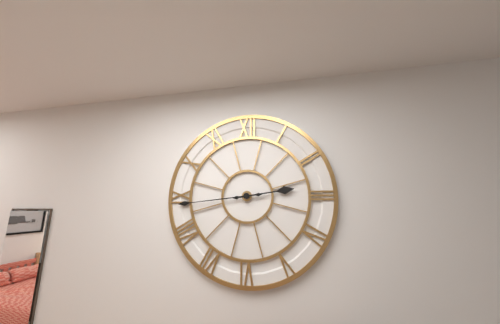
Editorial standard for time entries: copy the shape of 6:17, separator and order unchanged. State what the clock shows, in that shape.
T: 2:44
